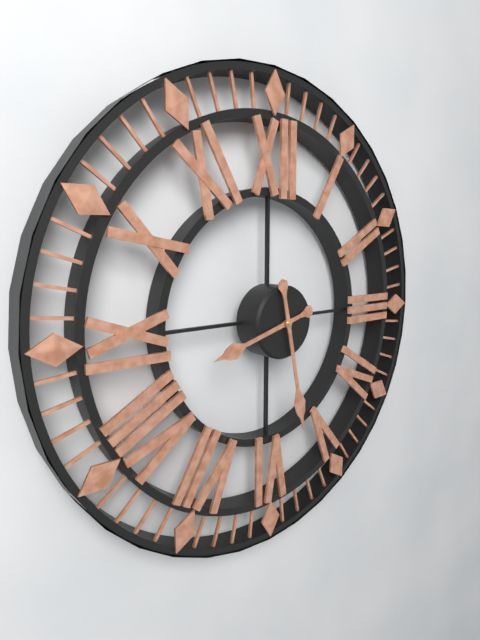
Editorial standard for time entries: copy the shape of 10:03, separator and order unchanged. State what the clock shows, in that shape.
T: 8:28
